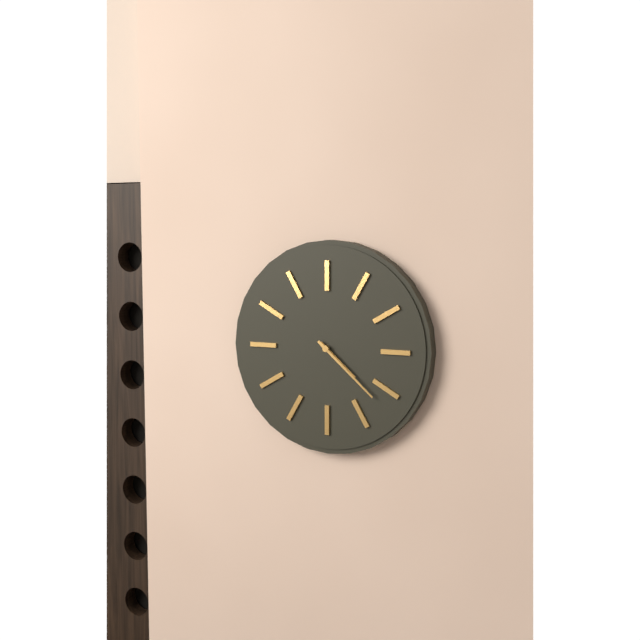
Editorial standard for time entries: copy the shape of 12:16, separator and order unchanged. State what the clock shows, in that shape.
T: 4:22
